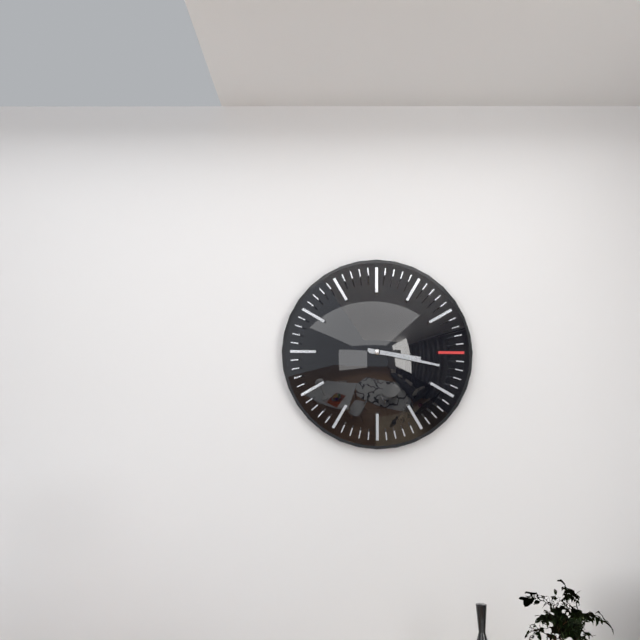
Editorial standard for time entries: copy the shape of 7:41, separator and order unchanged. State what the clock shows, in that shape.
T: 3:17
